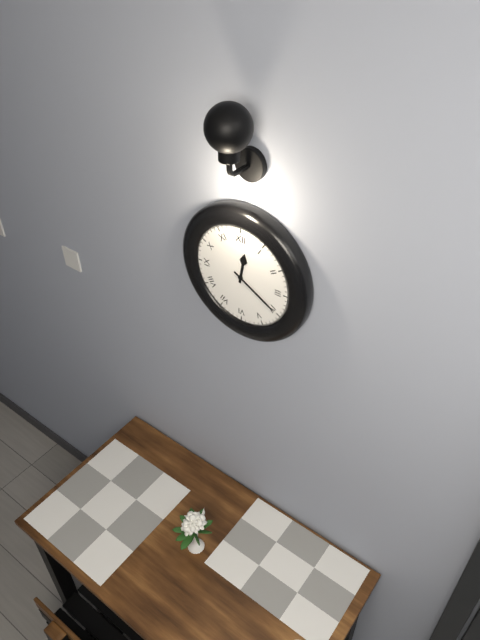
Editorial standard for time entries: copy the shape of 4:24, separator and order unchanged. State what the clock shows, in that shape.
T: 12:20
